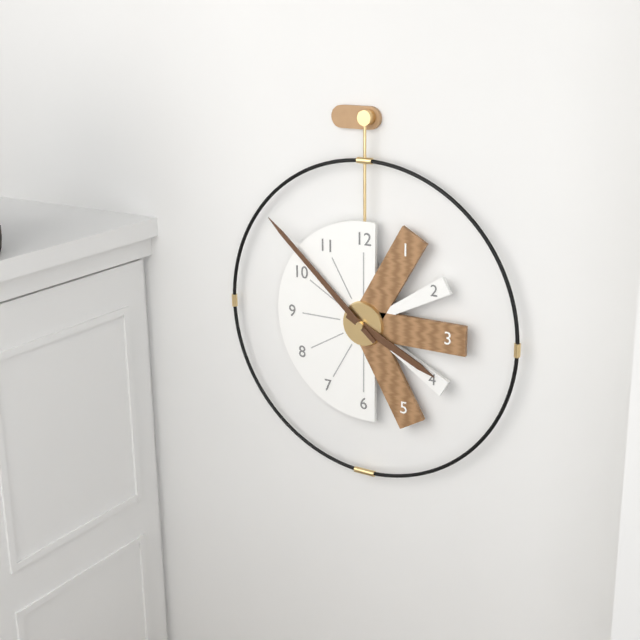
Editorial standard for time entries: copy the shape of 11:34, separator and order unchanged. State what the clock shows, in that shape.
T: 3:52
